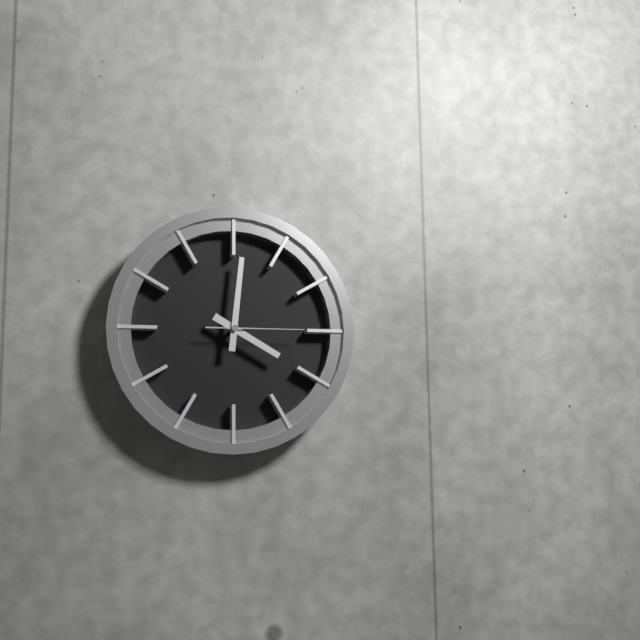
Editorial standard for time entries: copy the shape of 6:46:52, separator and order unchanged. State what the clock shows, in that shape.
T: 4:01:15
